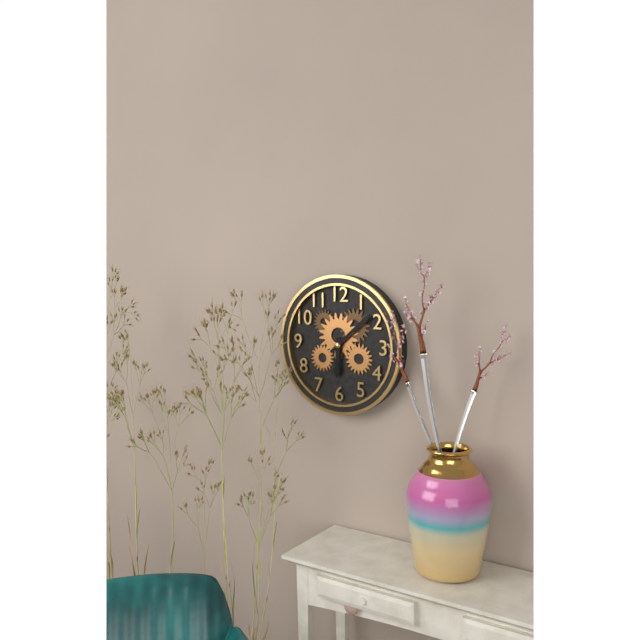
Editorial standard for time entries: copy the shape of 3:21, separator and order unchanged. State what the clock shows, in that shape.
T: 6:08
